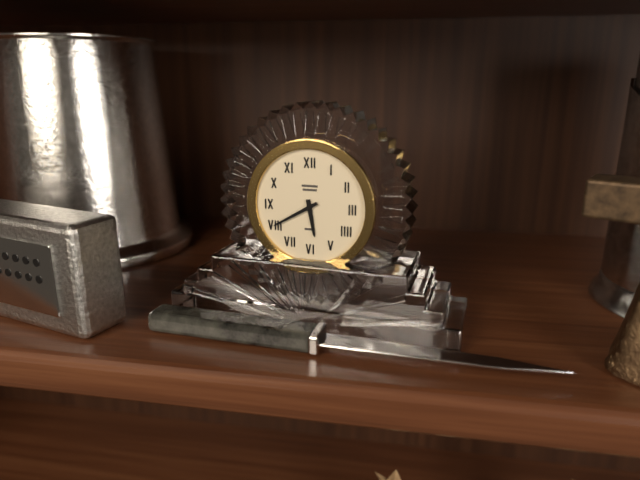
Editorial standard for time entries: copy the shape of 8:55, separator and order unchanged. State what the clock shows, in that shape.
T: 5:40
